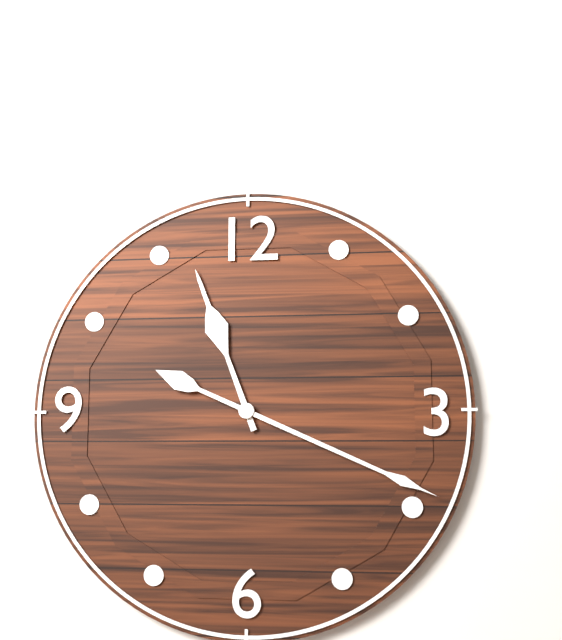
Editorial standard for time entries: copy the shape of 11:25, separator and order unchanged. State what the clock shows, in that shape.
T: 11:19
